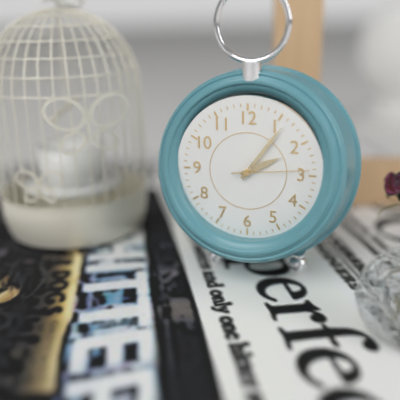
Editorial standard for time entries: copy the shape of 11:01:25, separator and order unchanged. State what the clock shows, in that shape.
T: 2:06:14
